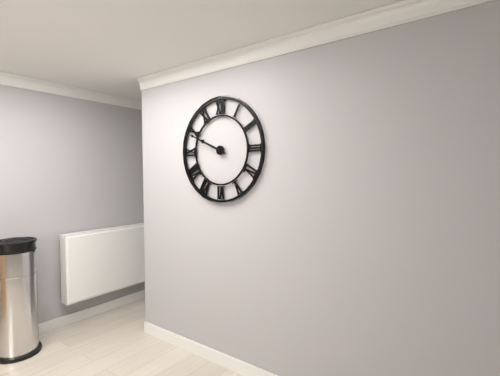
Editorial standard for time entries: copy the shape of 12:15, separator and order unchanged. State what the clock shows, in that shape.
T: 9:49
